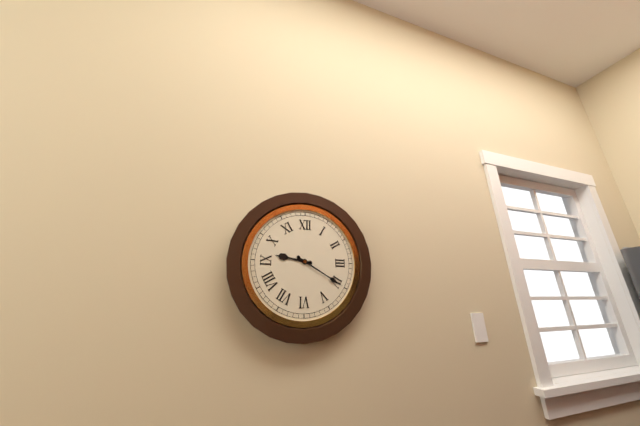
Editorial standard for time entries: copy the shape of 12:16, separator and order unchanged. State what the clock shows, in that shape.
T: 9:20
